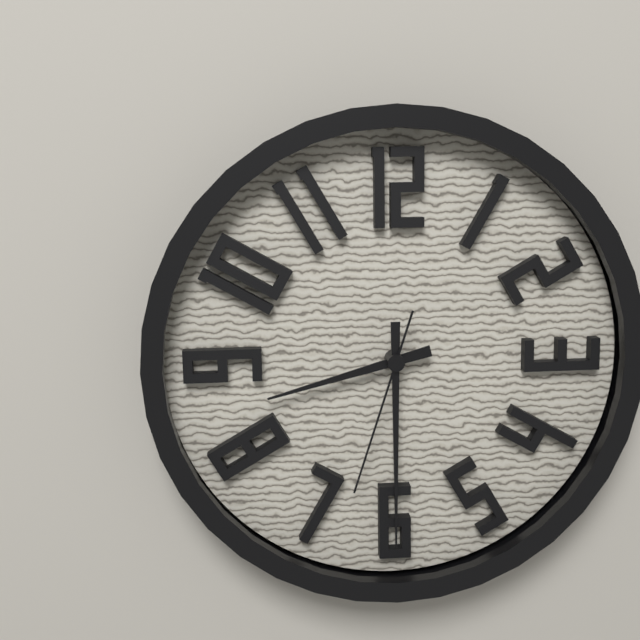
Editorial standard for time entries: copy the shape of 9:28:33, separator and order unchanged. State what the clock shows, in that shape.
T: 8:30:33
